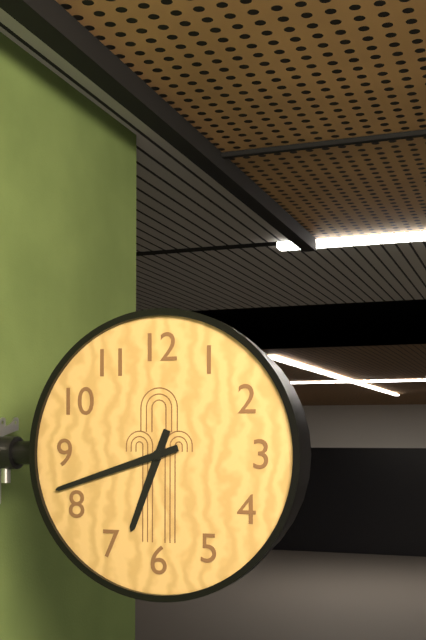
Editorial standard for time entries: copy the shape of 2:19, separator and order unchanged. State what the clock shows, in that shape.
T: 6:42
